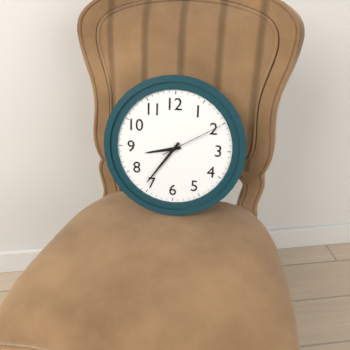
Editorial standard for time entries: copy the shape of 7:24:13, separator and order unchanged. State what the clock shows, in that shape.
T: 8:36:10
